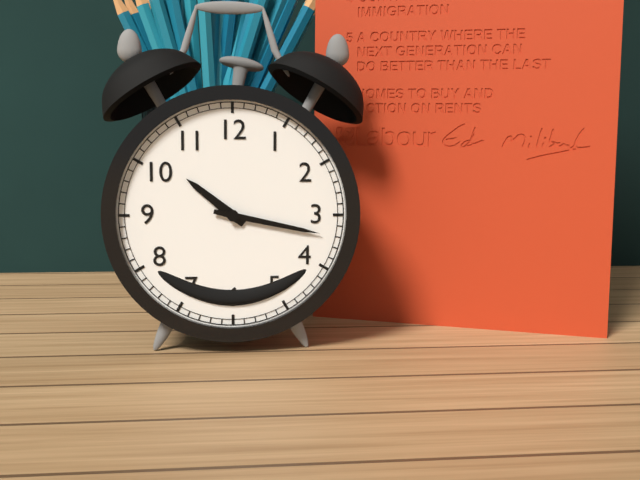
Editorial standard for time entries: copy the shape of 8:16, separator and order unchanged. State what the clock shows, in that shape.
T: 10:17
